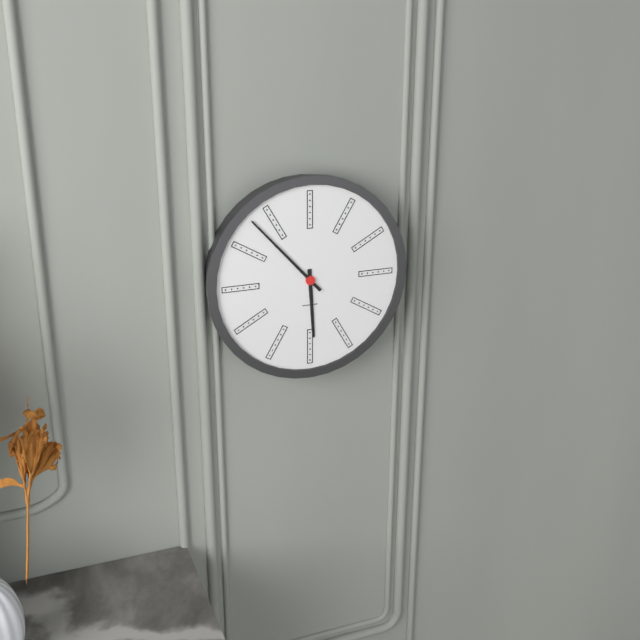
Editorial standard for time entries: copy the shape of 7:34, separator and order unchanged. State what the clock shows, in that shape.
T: 5:53
